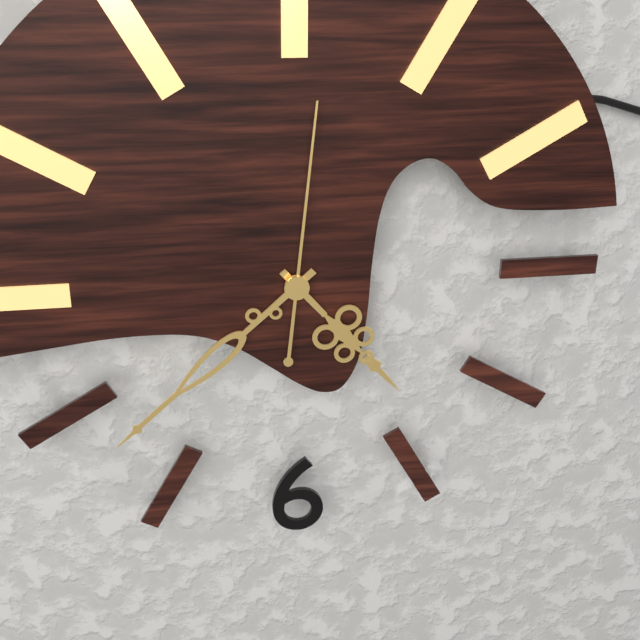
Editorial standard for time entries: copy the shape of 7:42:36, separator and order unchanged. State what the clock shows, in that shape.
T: 4:38:01
